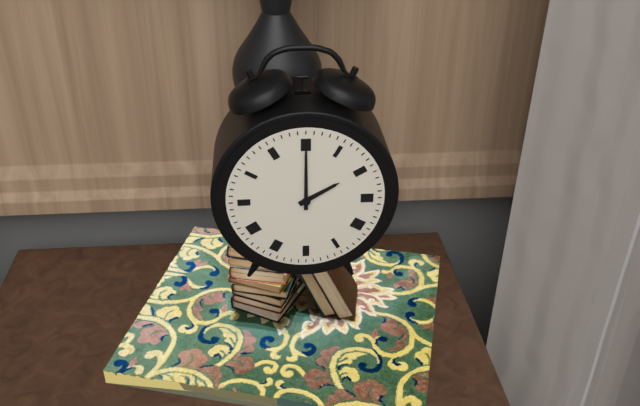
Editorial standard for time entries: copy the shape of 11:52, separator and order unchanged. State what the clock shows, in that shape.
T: 2:00
